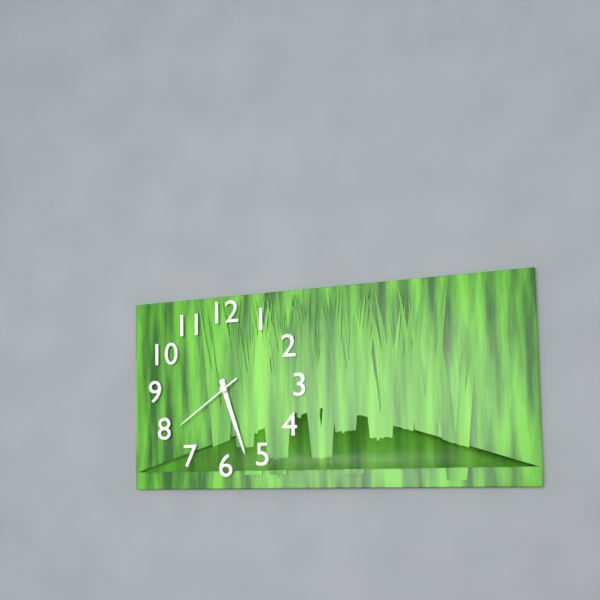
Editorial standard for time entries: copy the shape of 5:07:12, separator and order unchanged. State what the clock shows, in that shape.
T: 5:27:39
